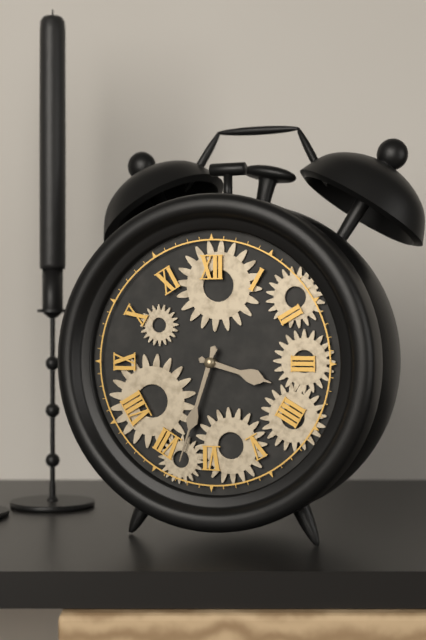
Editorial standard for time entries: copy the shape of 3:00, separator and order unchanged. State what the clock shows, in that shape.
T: 3:33
